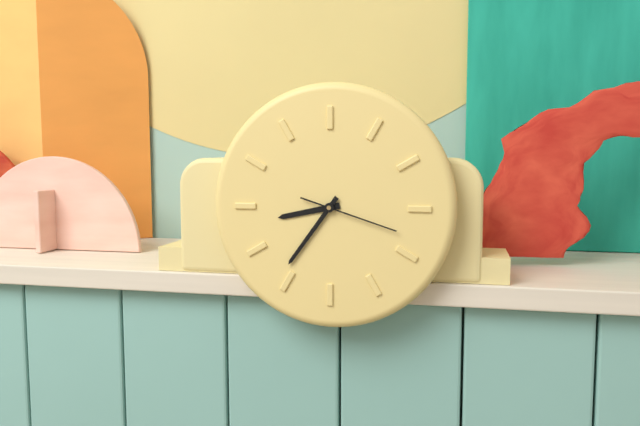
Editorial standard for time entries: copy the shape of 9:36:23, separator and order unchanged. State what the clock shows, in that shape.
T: 8:36:18
